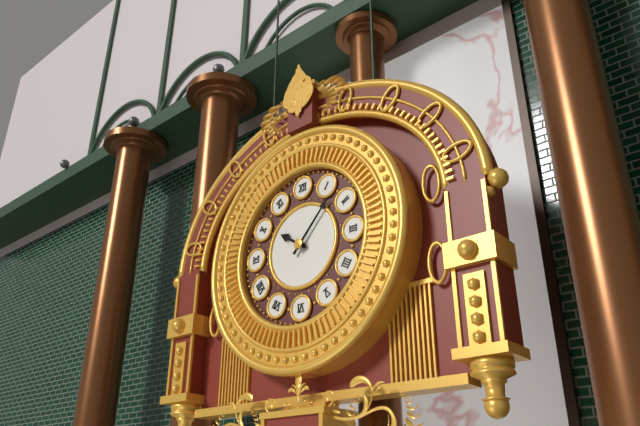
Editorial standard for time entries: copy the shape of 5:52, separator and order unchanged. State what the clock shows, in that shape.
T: 10:07
